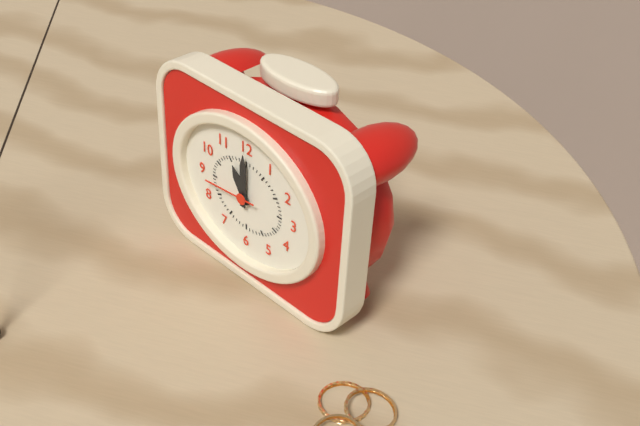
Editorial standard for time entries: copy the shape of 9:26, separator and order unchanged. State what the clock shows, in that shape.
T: 11:00
